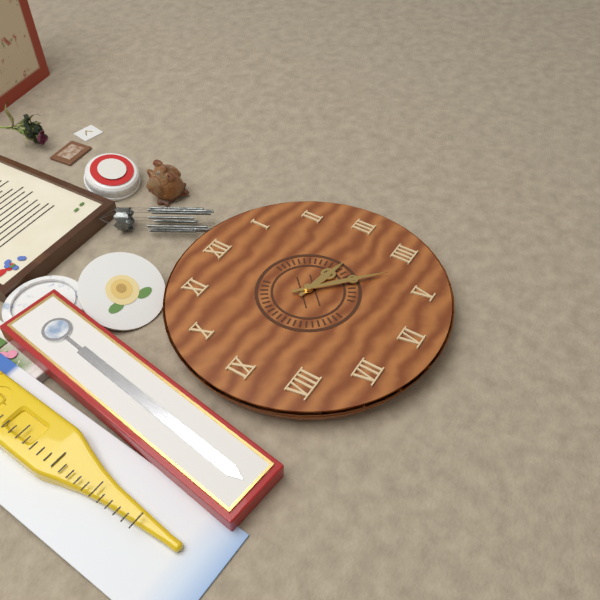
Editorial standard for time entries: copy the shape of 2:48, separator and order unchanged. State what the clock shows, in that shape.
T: 3:22
